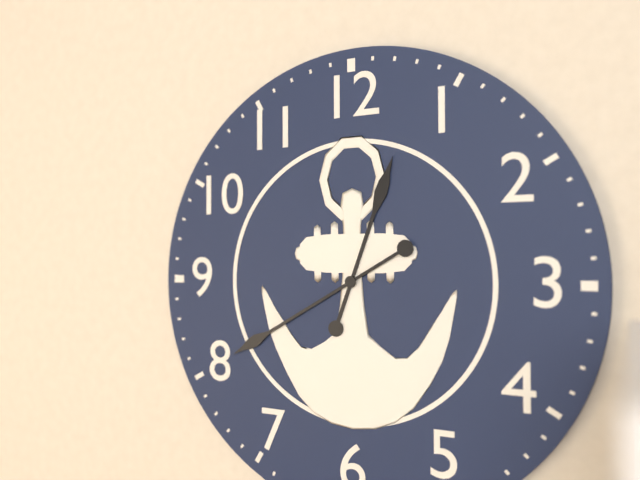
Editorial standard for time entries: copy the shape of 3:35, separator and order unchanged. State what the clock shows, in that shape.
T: 12:40
